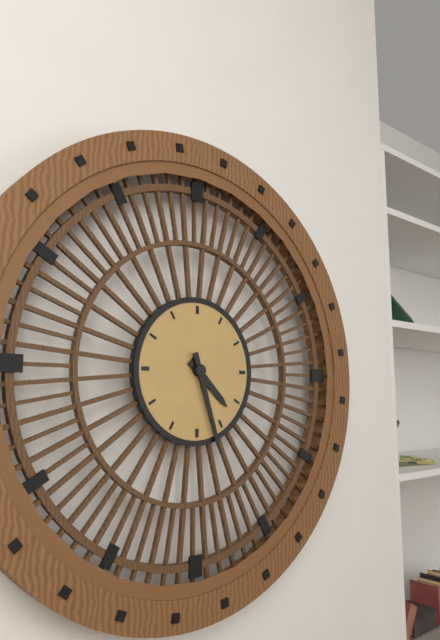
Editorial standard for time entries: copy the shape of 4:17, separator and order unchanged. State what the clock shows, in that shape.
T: 4:27
